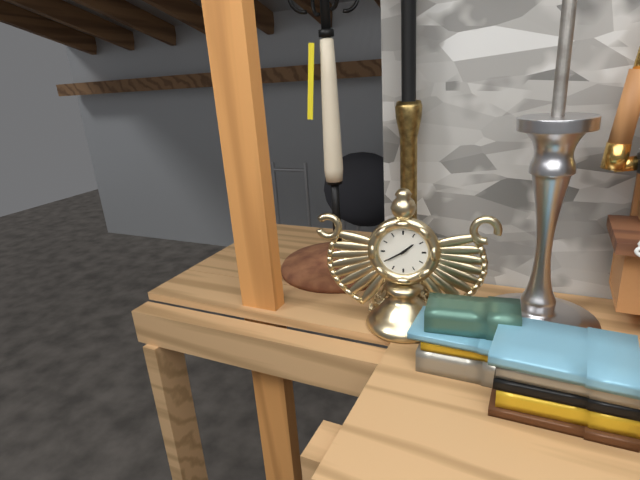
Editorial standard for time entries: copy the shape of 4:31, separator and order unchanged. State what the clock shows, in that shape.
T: 1:40
